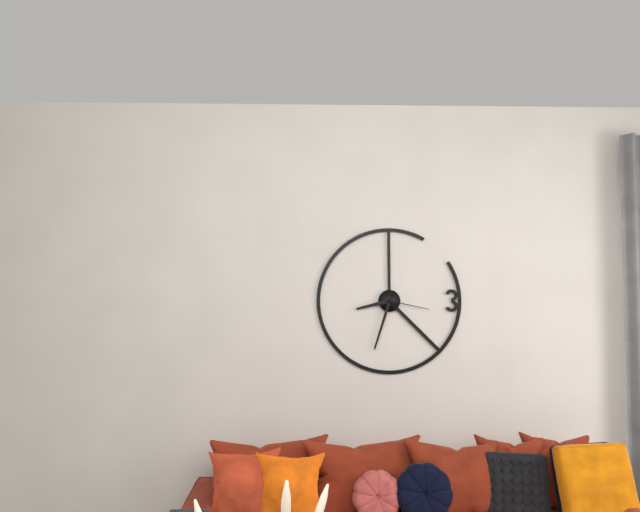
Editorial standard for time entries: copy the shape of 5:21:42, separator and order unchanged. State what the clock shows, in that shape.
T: 8:33:17
